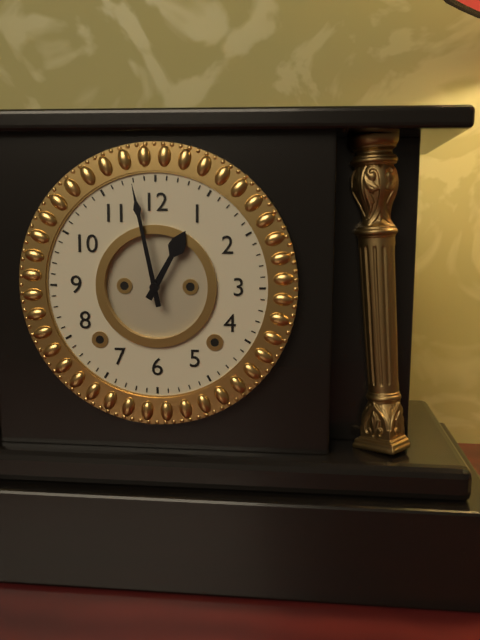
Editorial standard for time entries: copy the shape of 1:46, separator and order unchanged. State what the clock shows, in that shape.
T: 12:58
